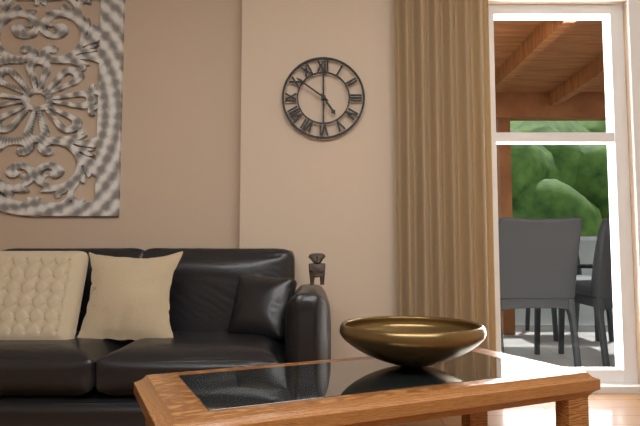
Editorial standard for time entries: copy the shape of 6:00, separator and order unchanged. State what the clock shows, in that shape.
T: 4:51
